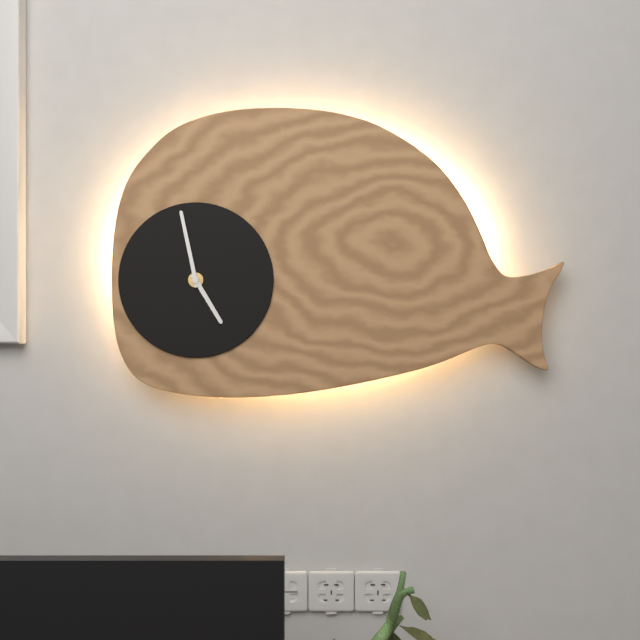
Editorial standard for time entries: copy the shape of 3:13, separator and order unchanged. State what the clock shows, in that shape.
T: 4:58
